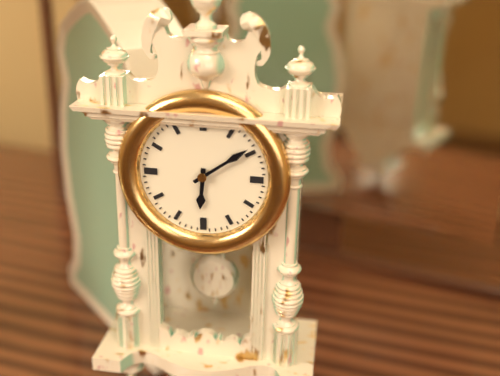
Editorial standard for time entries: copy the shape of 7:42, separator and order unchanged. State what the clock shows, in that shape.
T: 6:09
